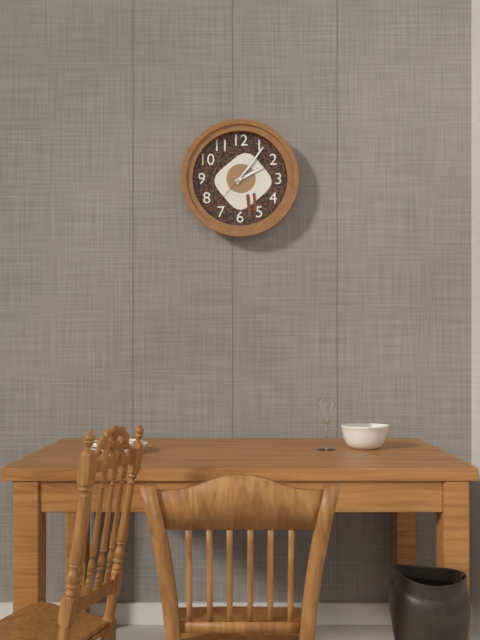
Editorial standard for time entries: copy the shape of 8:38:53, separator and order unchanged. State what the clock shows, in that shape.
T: 2:06:37
